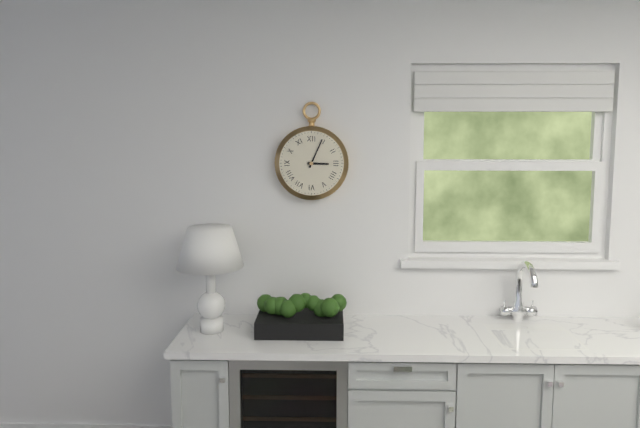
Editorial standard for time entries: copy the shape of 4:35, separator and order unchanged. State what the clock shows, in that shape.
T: 3:04
